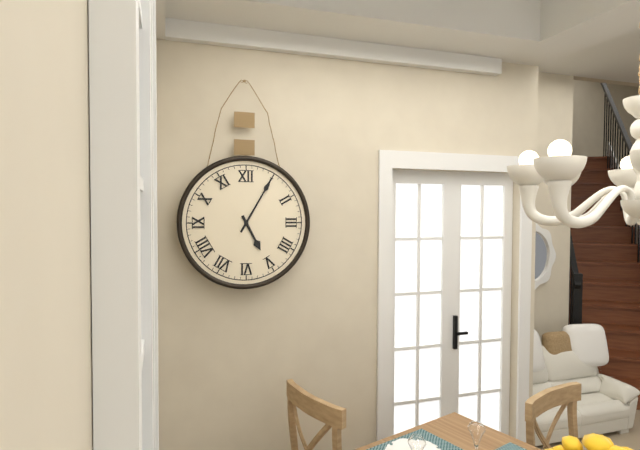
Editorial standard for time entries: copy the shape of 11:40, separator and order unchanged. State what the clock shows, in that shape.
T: 5:05
